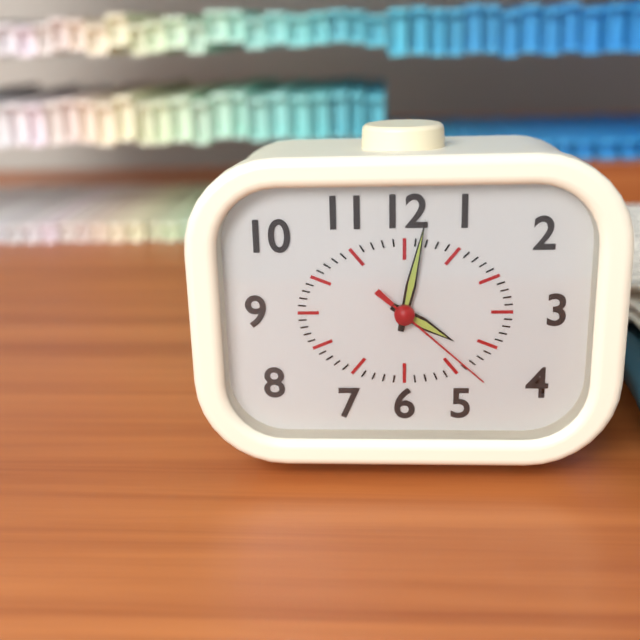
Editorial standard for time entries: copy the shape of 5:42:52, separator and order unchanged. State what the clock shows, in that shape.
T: 4:02:22
